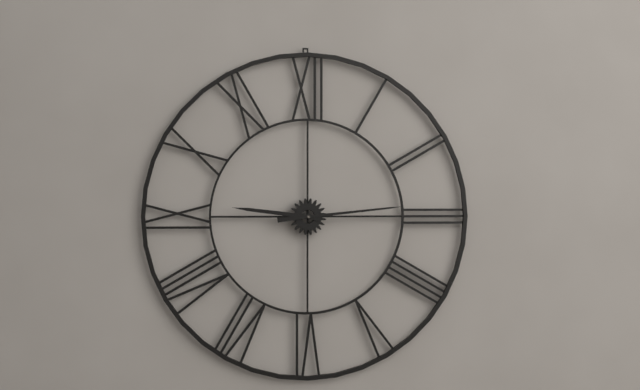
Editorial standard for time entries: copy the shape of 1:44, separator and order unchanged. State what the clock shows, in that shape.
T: 9:14
